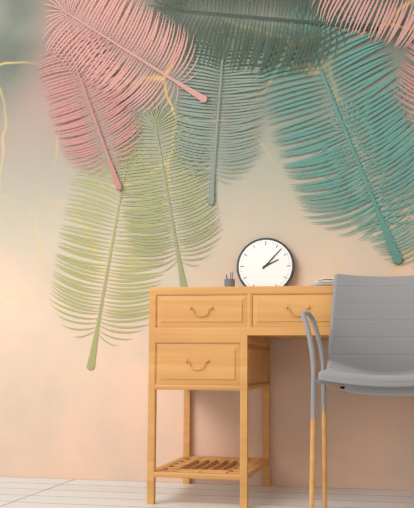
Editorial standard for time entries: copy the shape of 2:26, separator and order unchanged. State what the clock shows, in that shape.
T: 2:07
